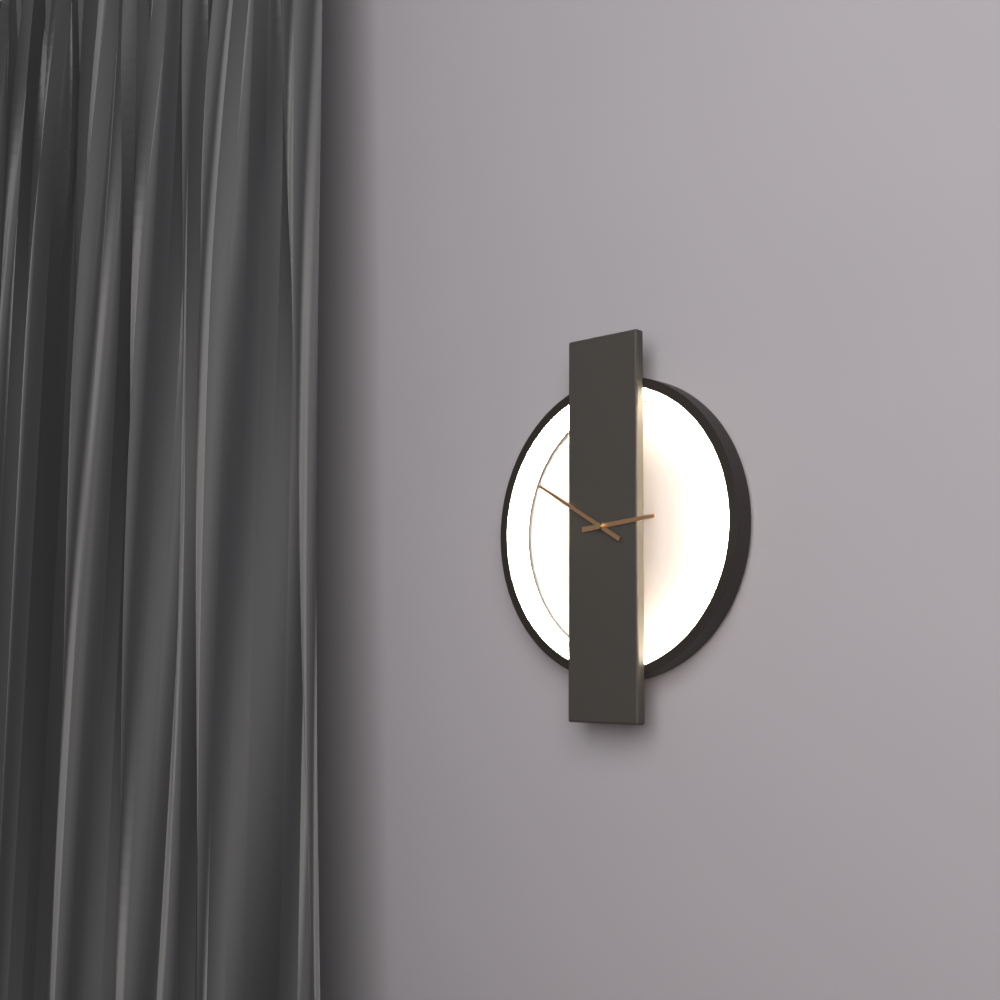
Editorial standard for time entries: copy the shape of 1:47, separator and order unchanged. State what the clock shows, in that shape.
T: 2:50
